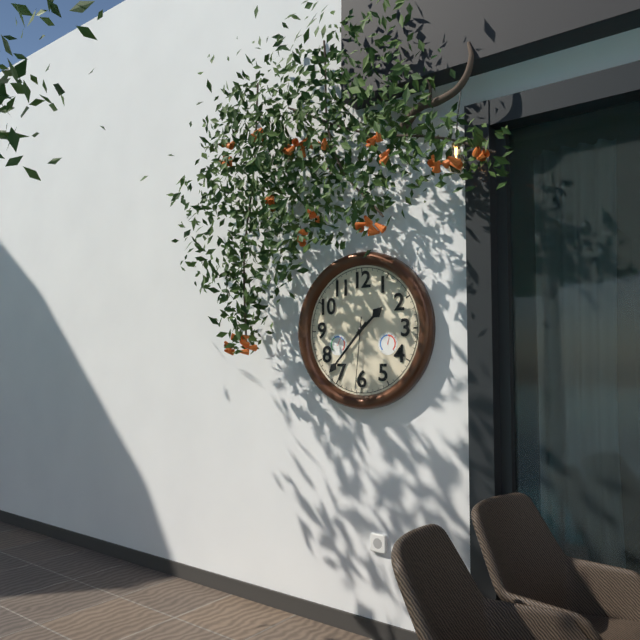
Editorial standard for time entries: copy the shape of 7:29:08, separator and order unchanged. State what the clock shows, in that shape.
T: 1:37:31
